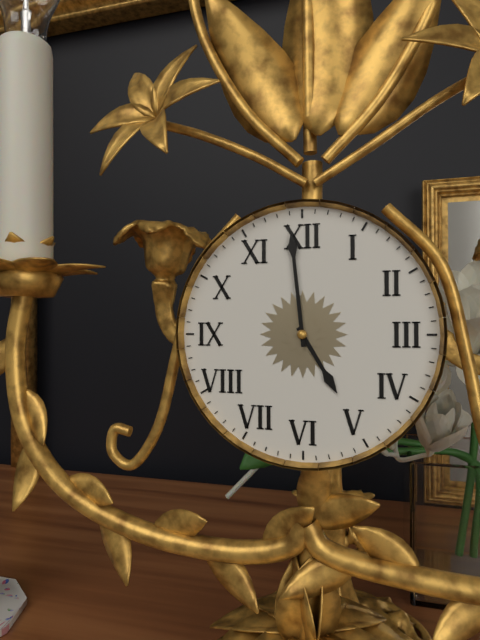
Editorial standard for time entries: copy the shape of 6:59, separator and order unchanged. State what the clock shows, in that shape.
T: 4:59
